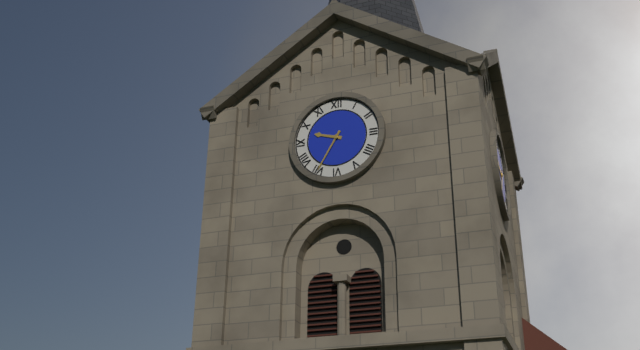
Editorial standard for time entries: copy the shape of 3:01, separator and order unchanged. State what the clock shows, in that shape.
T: 9:35
